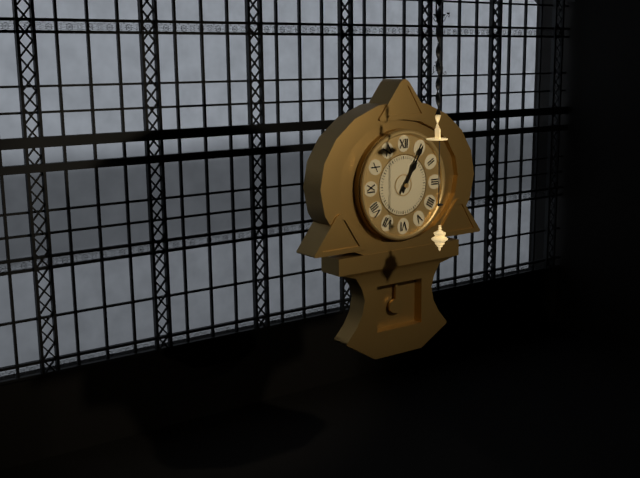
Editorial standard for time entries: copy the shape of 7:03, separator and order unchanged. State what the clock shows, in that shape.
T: 1:05
